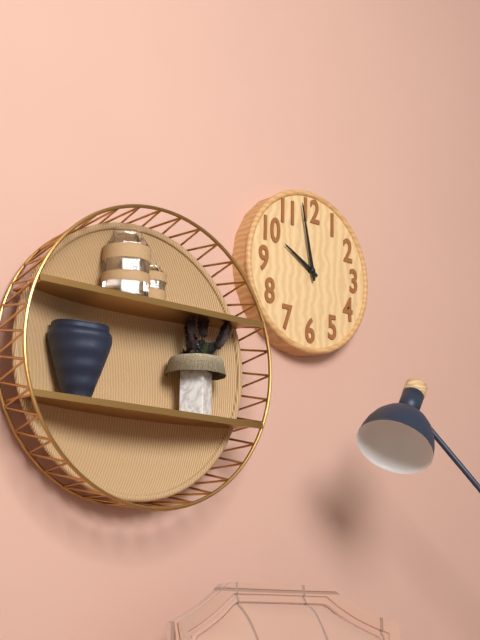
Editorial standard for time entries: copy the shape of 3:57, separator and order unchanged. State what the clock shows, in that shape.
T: 9:58
